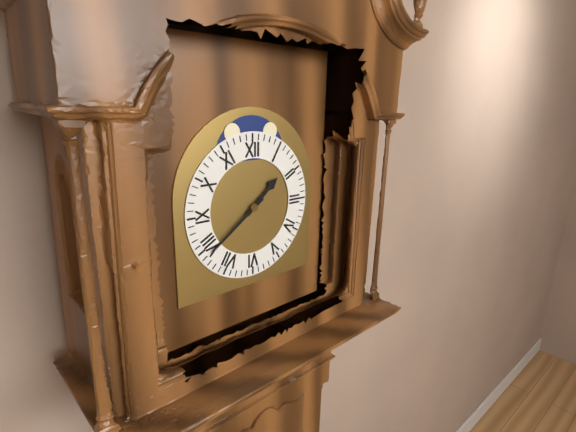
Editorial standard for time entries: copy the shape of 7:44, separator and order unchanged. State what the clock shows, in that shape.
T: 1:39
